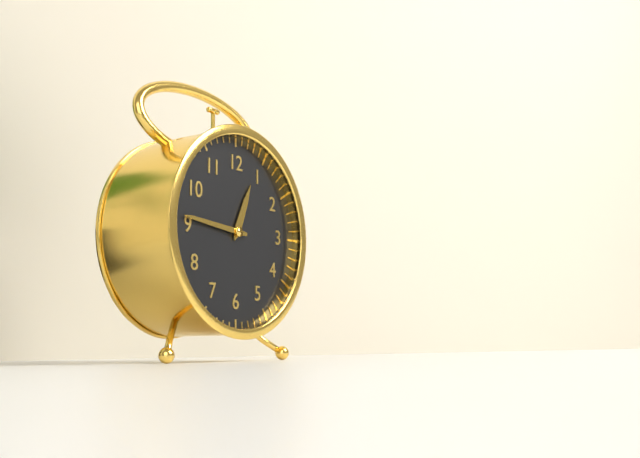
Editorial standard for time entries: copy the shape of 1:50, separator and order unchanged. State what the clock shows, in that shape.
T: 12:46
